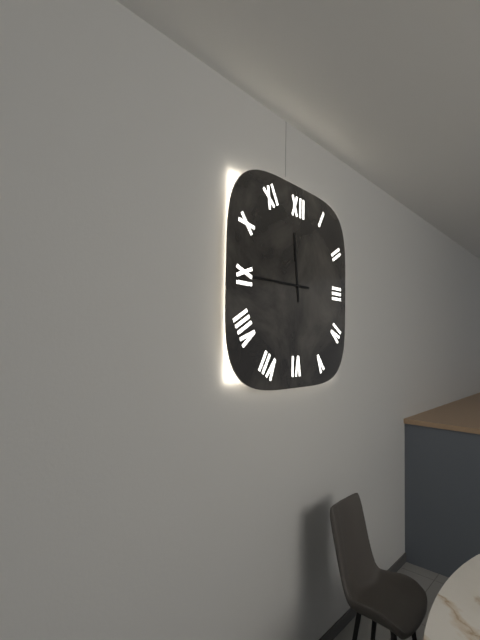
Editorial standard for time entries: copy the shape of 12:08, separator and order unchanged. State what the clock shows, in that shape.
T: 11:45
